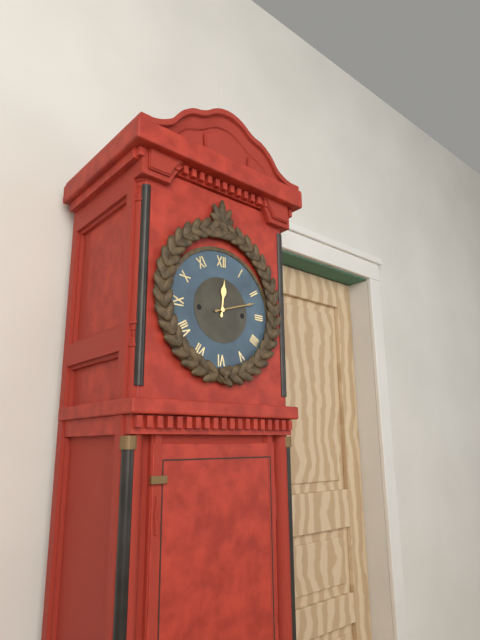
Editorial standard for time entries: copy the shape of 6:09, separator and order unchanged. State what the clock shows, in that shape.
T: 12:12
